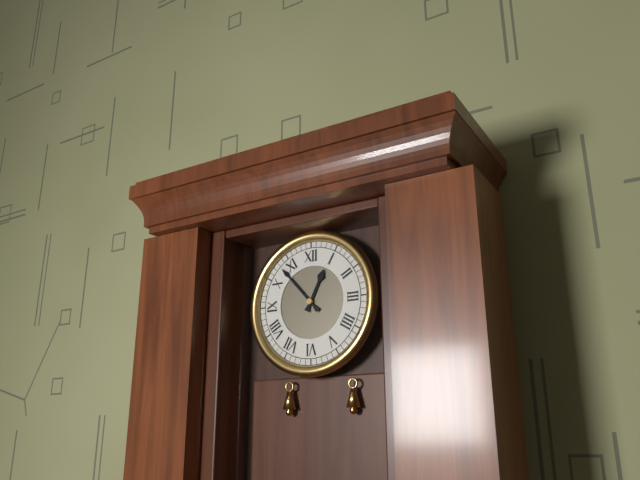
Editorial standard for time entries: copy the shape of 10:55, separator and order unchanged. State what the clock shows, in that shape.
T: 12:53
